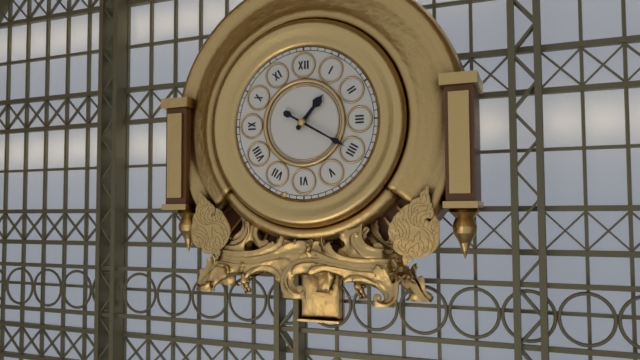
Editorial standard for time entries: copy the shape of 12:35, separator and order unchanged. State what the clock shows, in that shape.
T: 1:20
